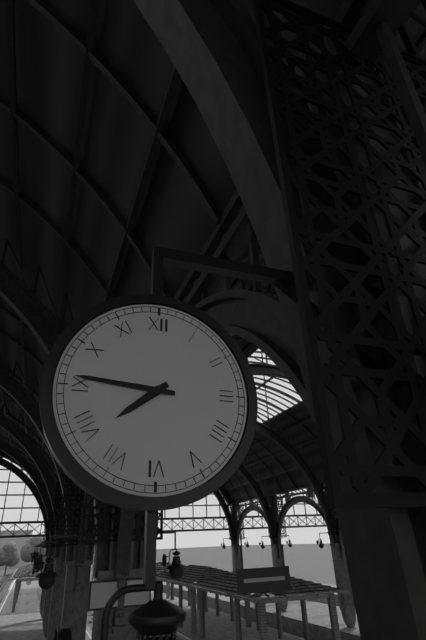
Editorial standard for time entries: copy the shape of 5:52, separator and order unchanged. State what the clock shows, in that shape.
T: 7:46
